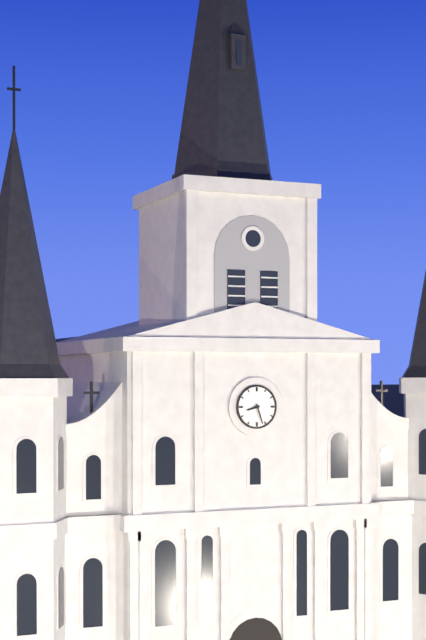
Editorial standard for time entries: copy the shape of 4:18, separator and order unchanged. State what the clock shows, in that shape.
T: 8:27
